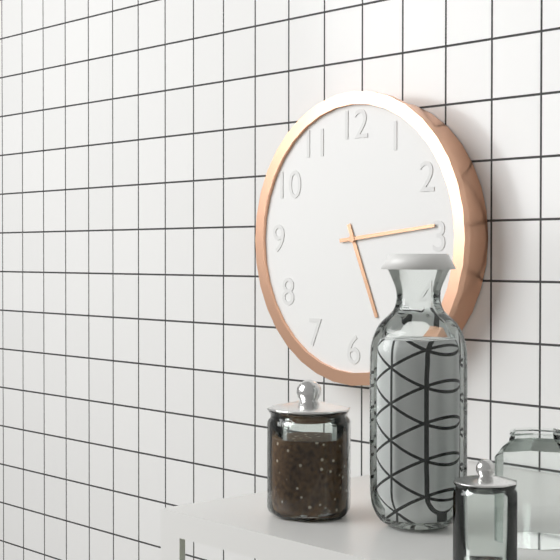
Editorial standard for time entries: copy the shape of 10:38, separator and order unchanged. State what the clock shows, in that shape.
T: 5:14
